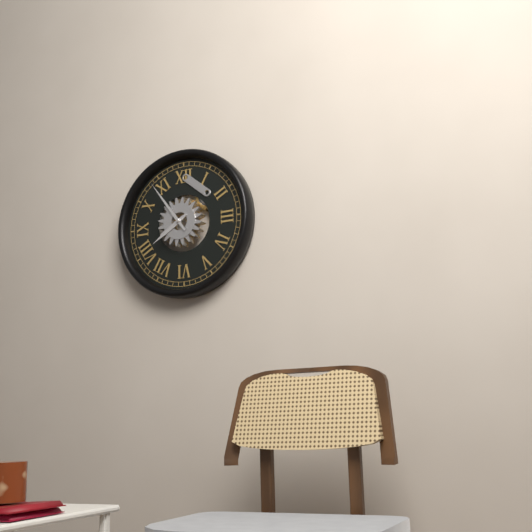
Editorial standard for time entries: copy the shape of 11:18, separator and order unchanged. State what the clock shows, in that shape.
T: 7:54
